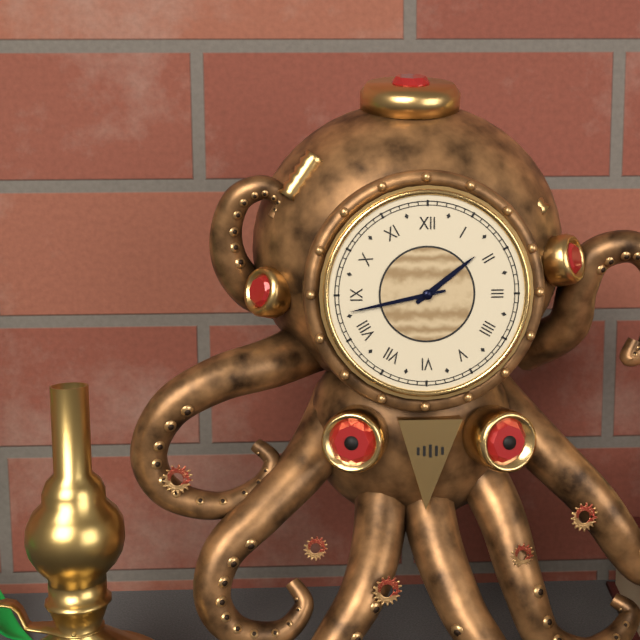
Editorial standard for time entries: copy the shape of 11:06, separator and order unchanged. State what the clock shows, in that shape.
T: 1:43
